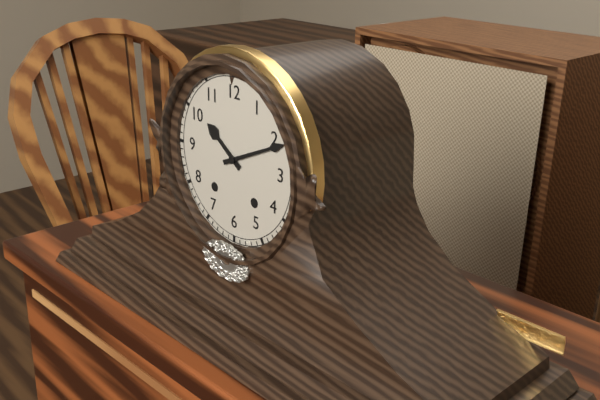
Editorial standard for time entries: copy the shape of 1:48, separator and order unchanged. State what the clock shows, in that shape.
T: 10:11
